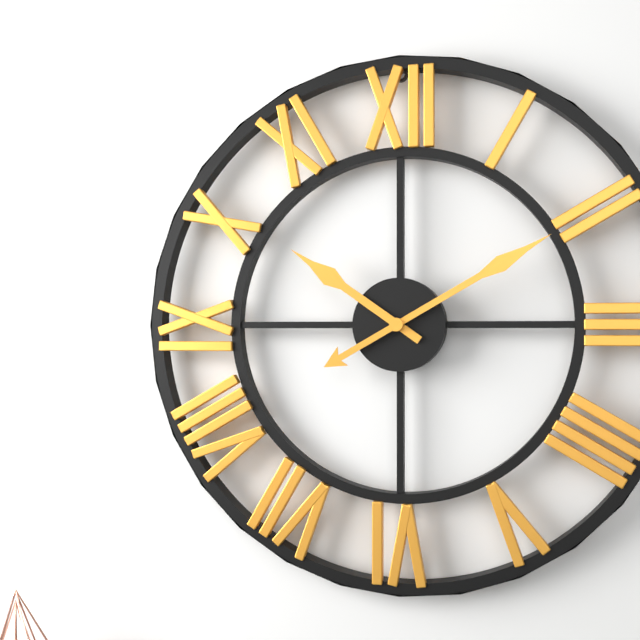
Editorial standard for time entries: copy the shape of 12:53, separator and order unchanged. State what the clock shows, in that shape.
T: 10:10
